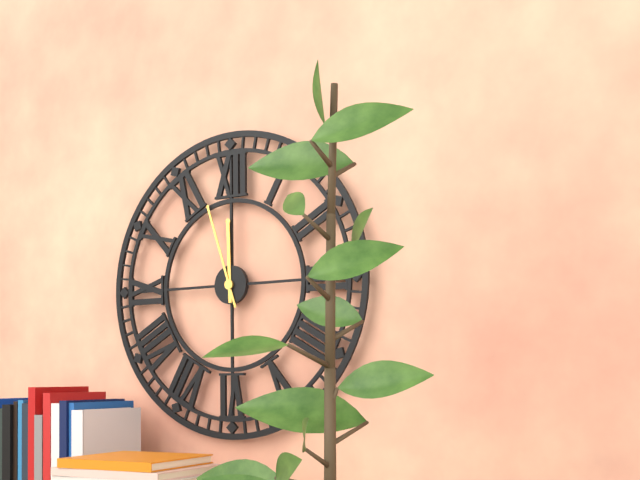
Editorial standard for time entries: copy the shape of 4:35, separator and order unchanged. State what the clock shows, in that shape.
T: 11:57
